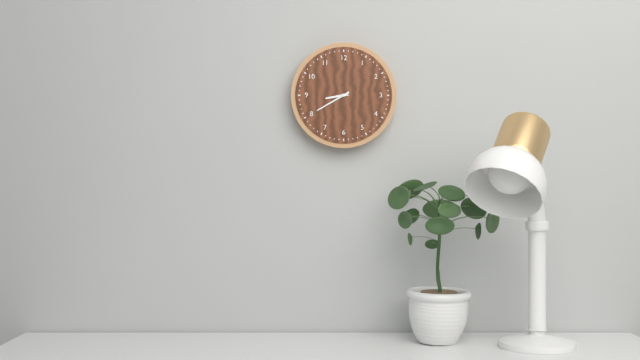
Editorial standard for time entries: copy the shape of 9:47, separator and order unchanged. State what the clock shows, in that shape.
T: 8:40
